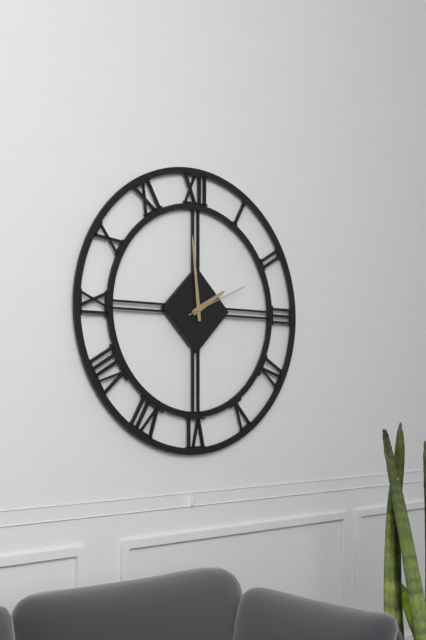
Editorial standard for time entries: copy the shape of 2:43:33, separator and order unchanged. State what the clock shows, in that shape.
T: 1:59:11
